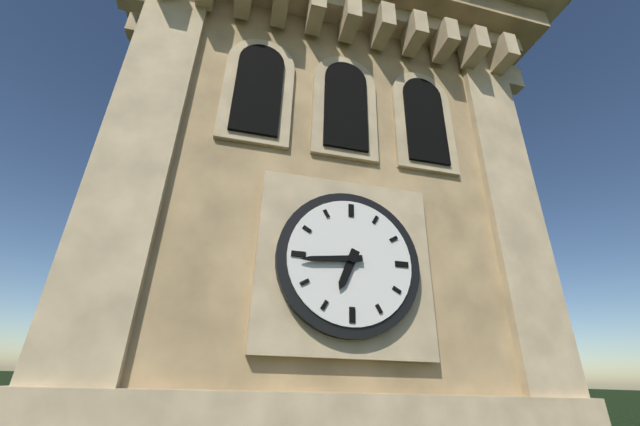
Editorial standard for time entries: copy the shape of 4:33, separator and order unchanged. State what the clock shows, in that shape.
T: 6:44
